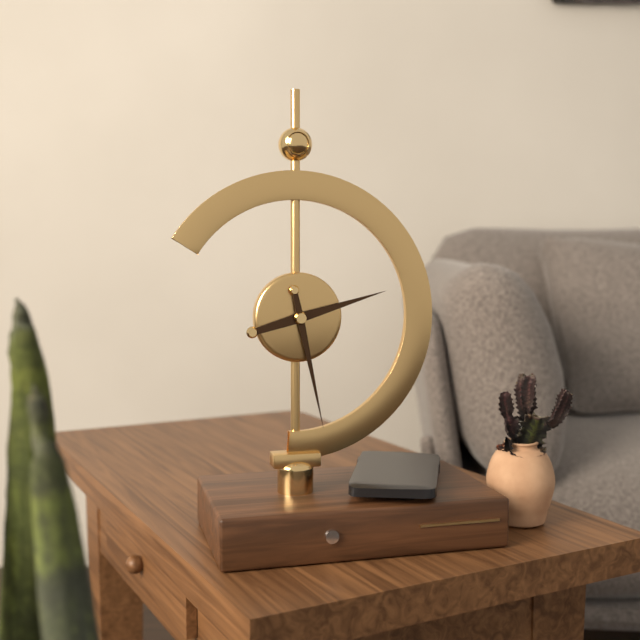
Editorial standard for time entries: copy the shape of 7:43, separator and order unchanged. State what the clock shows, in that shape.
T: 2:28
